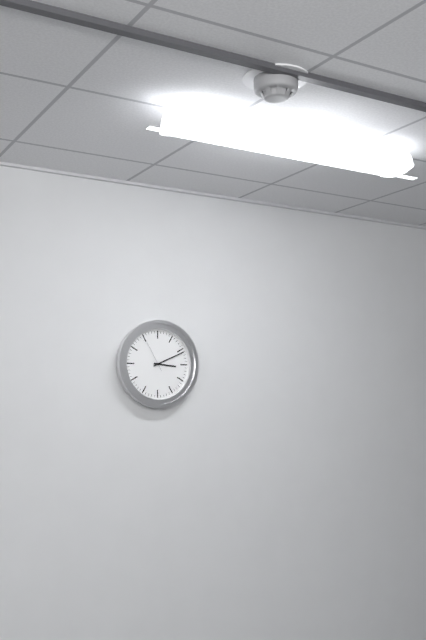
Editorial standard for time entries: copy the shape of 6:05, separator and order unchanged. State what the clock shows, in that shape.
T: 3:11
